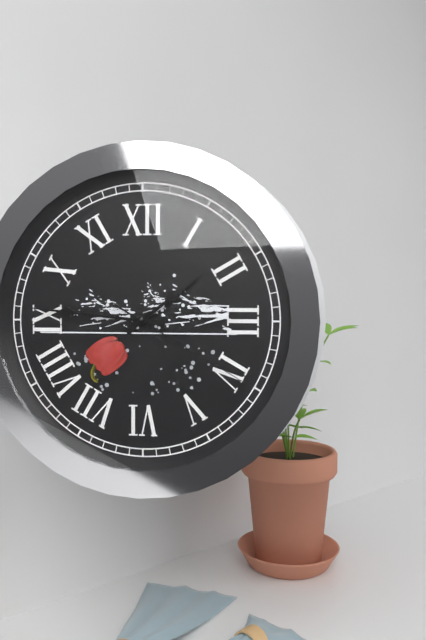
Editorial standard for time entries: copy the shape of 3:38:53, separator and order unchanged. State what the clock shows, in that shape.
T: 1:46:20
